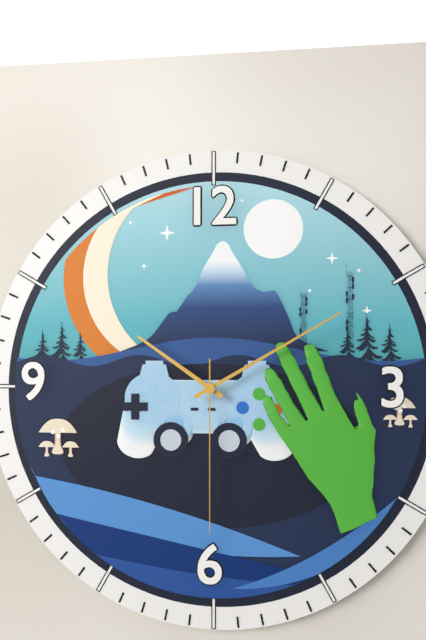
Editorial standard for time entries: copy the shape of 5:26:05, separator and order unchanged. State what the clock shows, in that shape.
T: 10:10:30
